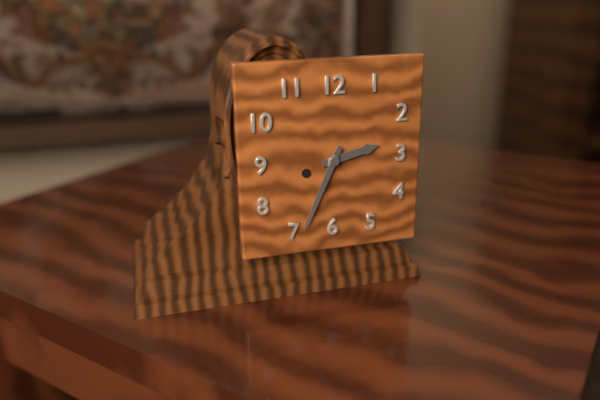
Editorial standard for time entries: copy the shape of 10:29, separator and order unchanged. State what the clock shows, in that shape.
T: 2:34
